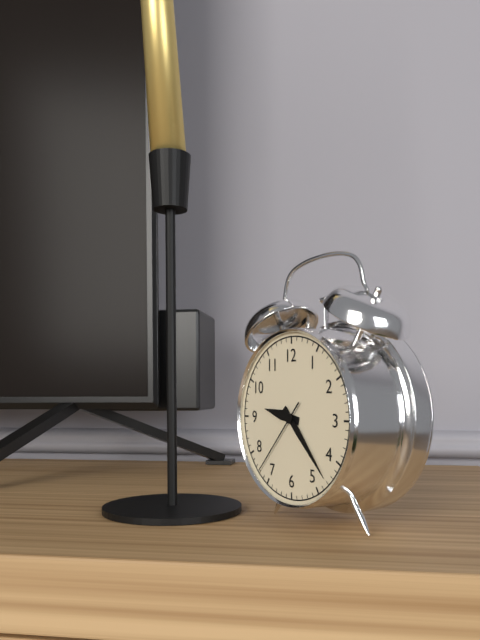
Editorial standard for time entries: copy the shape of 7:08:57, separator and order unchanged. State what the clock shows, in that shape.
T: 9:23:37
